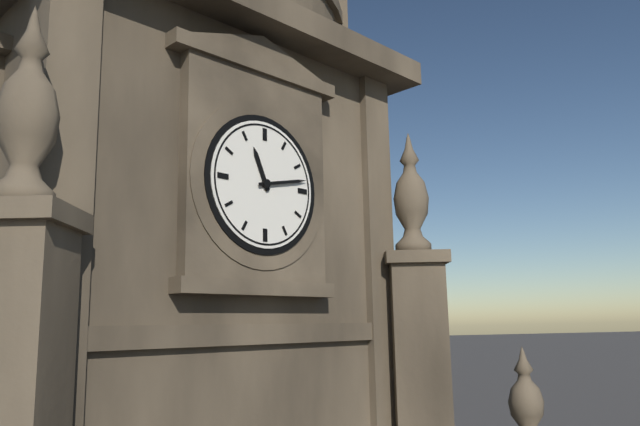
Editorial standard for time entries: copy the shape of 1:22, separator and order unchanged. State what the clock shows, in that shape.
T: 11:13
